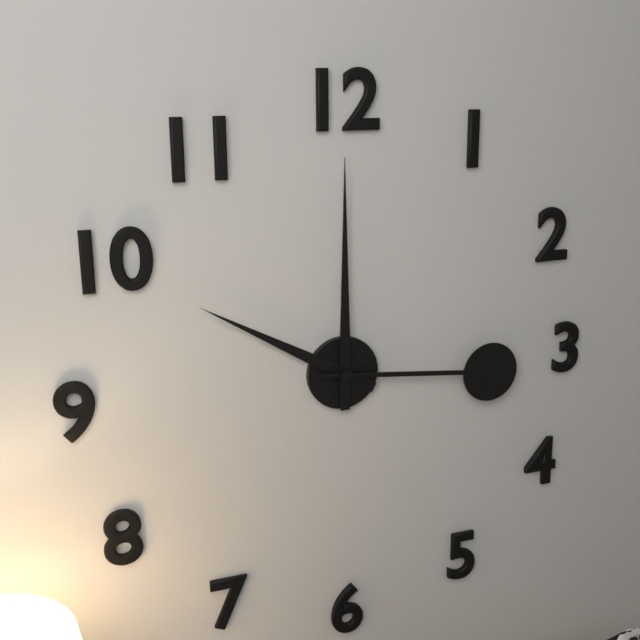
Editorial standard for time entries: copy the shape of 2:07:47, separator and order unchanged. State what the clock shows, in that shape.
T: 10:00:16
